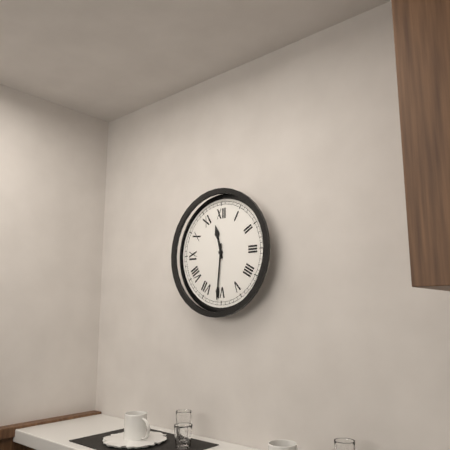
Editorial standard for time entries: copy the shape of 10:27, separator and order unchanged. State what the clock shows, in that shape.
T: 11:31
